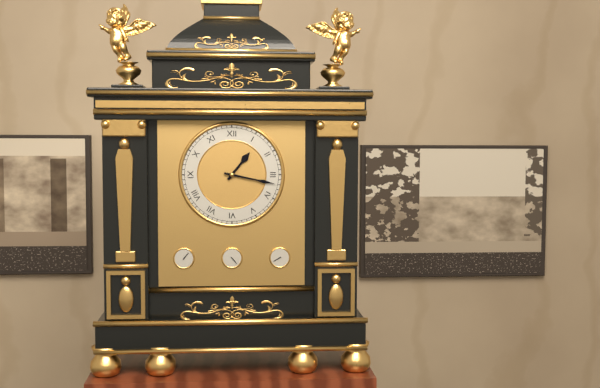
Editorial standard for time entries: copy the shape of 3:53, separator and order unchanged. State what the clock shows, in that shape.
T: 1:17
